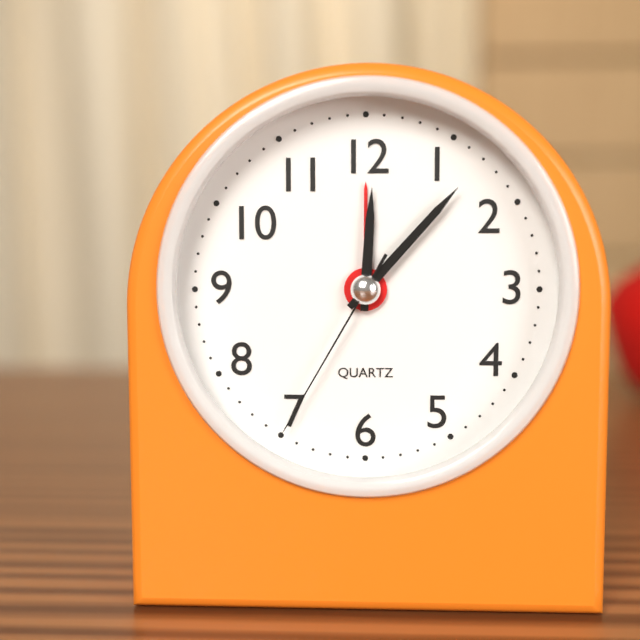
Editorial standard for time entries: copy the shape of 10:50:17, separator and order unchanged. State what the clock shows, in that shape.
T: 12:07:35
